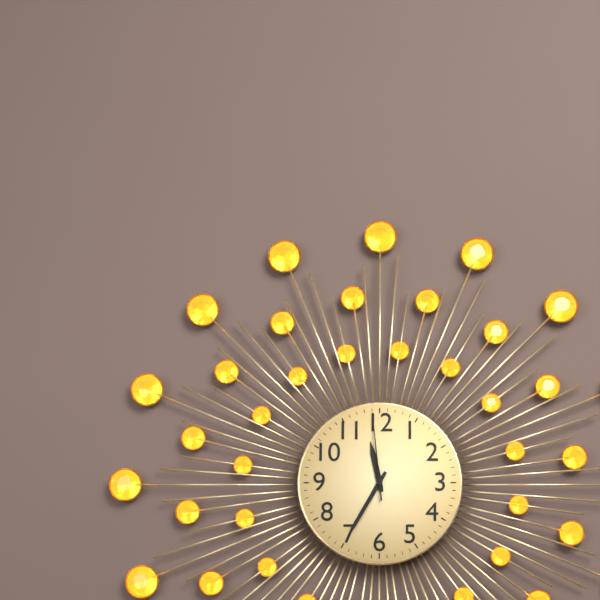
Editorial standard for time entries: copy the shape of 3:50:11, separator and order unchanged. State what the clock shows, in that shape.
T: 11:35:59
